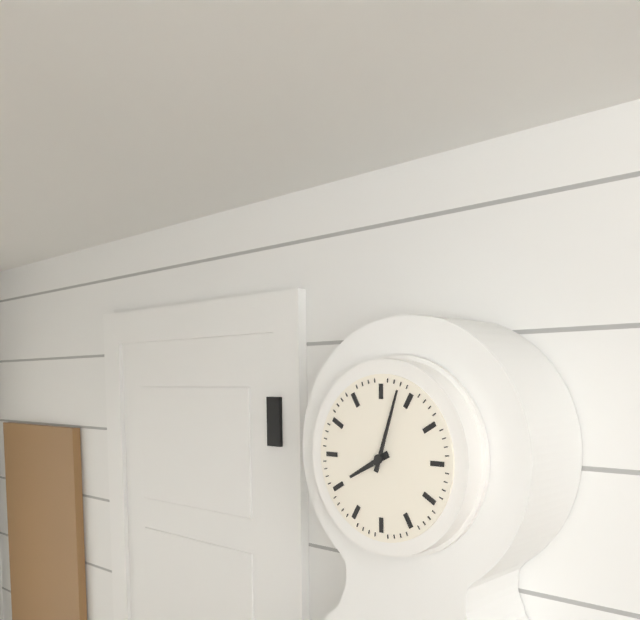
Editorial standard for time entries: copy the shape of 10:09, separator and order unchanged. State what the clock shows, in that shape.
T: 8:03
